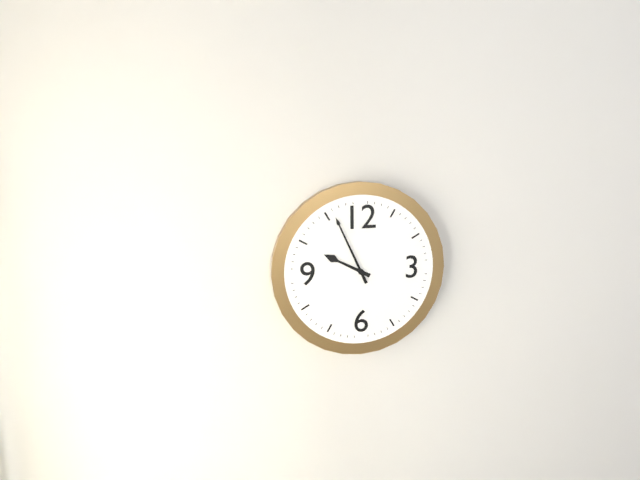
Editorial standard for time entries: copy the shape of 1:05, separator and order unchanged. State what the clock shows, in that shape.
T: 9:56
